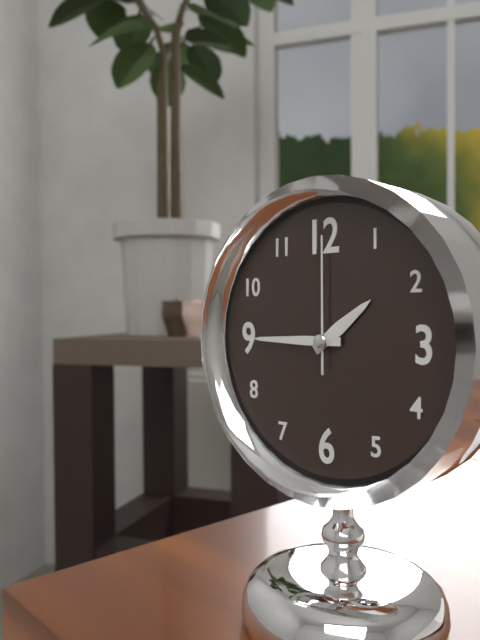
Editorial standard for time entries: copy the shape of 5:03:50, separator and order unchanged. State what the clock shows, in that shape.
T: 1:45:00
